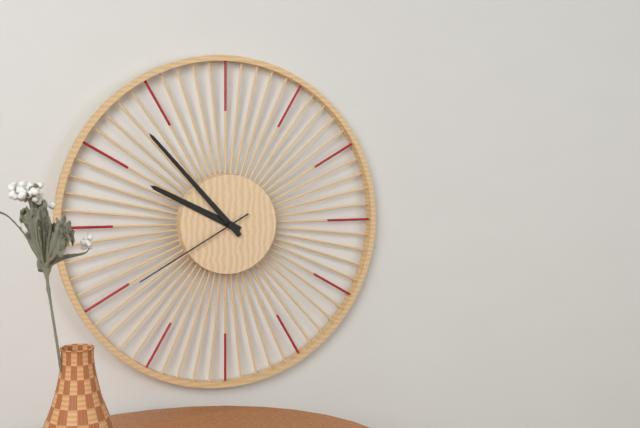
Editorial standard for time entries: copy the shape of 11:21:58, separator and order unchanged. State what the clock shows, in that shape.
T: 9:53:40
